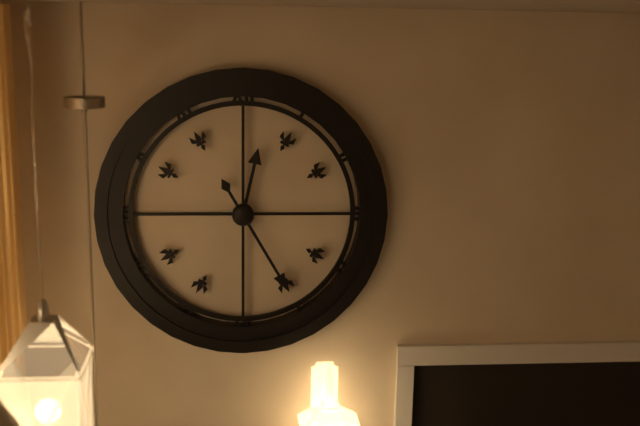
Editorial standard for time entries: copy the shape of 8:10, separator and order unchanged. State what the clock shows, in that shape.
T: 12:25
